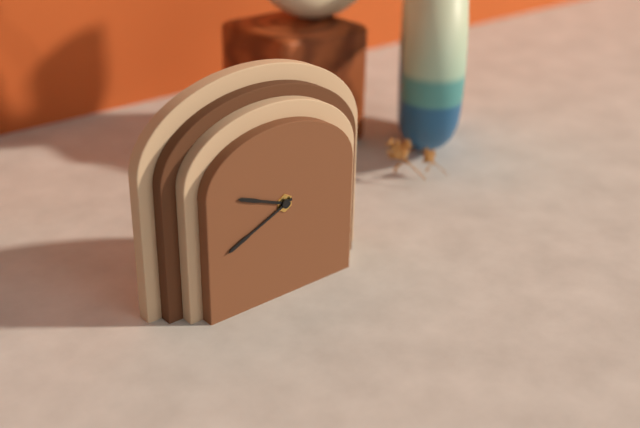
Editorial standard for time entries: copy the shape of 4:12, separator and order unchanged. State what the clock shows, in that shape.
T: 9:41
